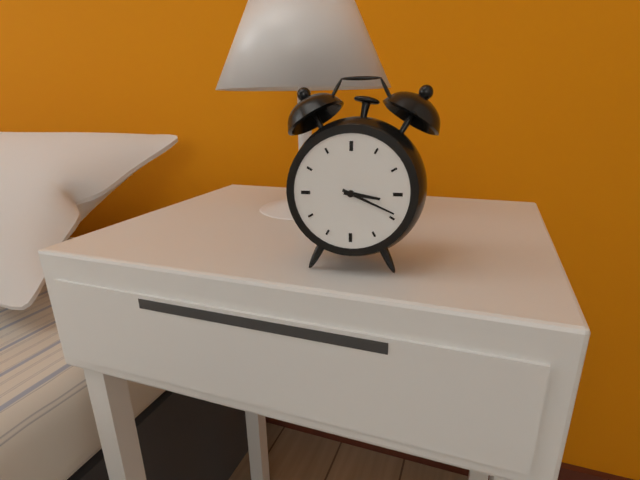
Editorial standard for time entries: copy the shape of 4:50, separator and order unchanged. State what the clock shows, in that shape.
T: 3:19
